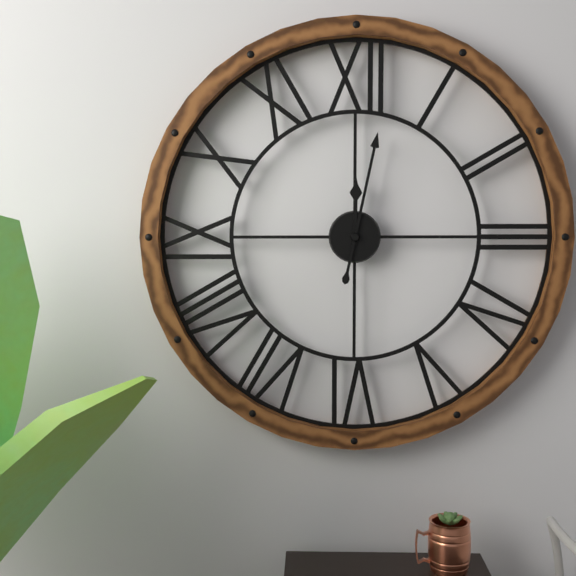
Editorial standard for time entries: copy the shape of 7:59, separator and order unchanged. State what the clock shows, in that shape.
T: 12:02
